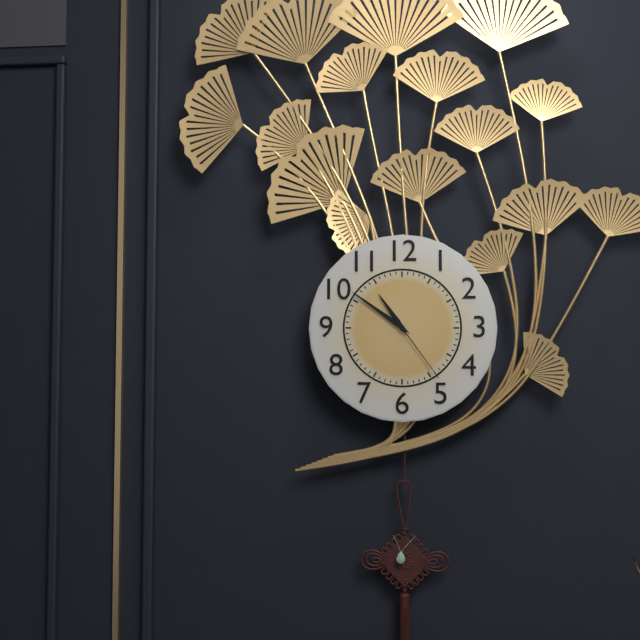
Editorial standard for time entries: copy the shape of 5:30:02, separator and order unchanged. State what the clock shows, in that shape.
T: 10:51:24
